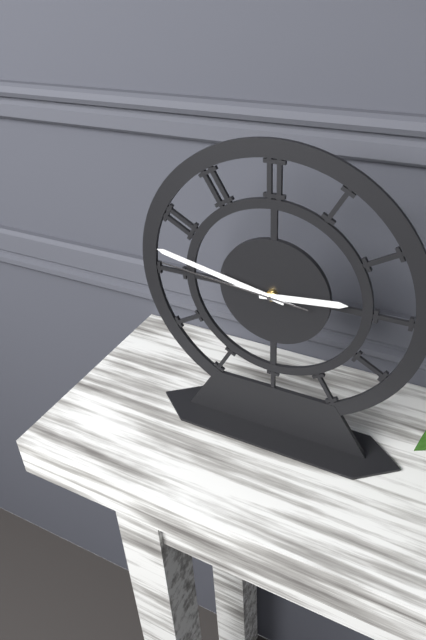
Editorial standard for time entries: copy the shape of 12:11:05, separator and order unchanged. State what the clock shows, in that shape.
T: 2:47:46
